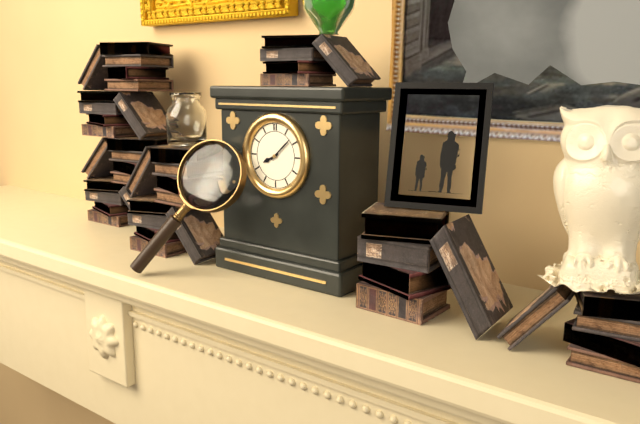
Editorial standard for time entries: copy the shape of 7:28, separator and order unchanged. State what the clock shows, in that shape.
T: 8:08
